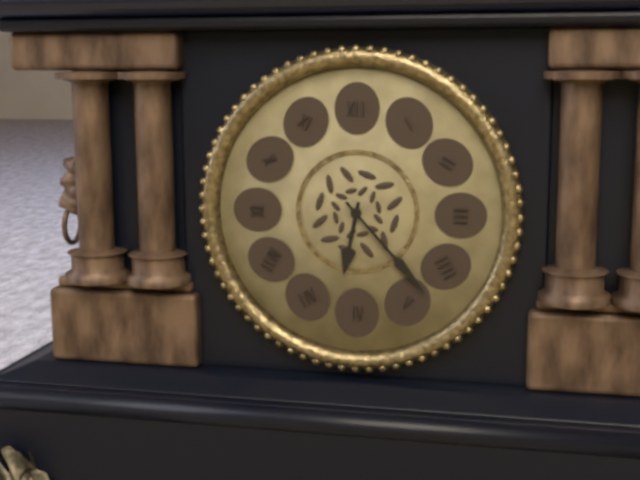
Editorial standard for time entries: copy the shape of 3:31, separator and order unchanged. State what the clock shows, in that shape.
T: 6:23
